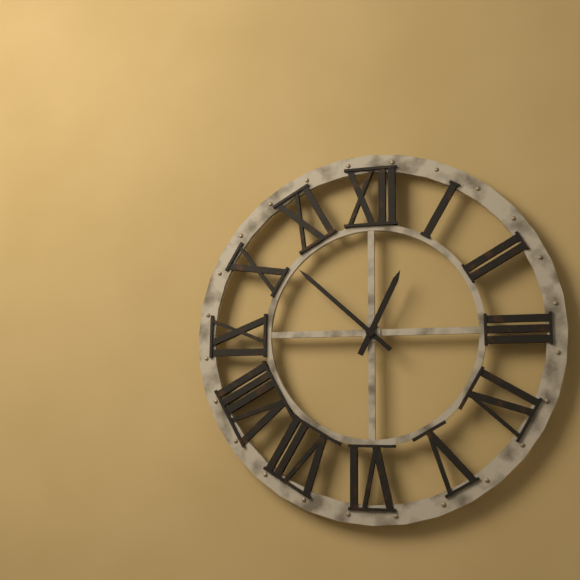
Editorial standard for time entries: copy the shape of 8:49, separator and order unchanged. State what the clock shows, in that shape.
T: 12:52
